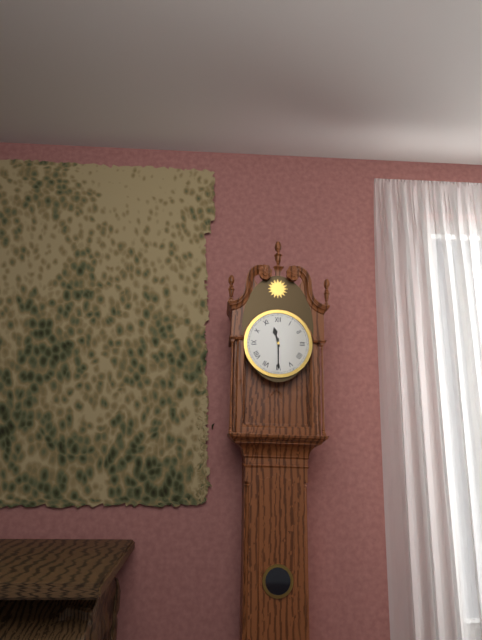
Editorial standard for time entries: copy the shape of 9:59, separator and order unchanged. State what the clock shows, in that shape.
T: 11:30
